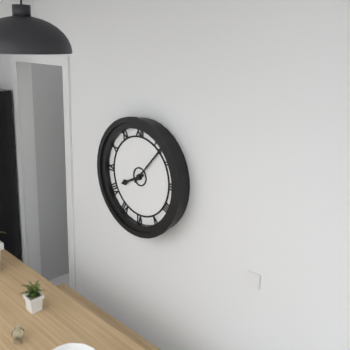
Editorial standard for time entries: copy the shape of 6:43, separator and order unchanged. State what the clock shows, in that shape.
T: 8:07
